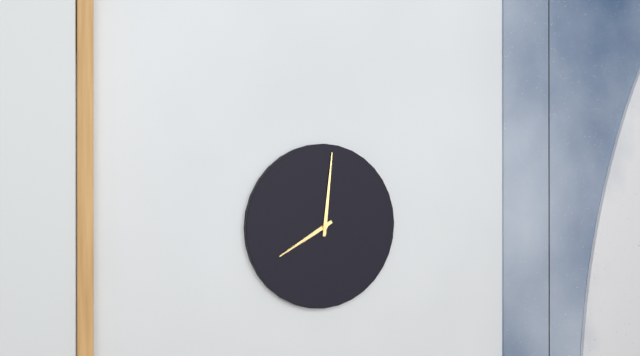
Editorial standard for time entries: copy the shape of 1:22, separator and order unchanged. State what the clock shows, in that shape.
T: 8:01
